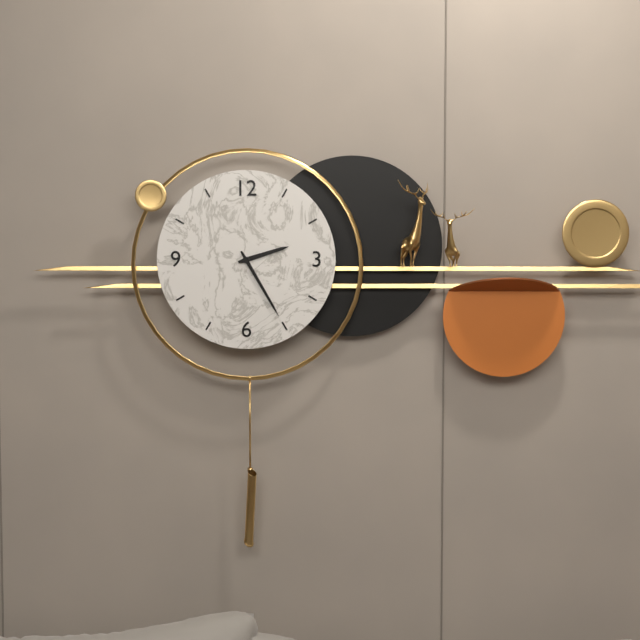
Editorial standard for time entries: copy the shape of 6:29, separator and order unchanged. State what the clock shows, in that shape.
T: 2:25
